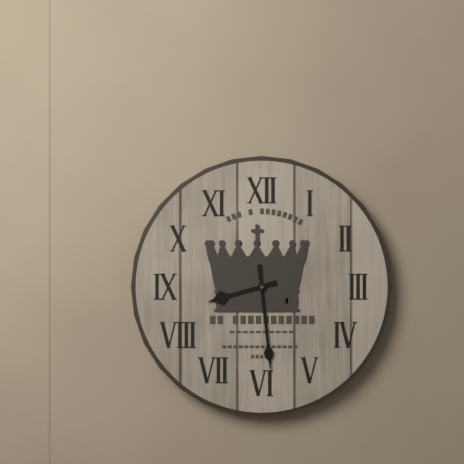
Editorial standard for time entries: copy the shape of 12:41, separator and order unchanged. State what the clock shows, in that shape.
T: 8:29
